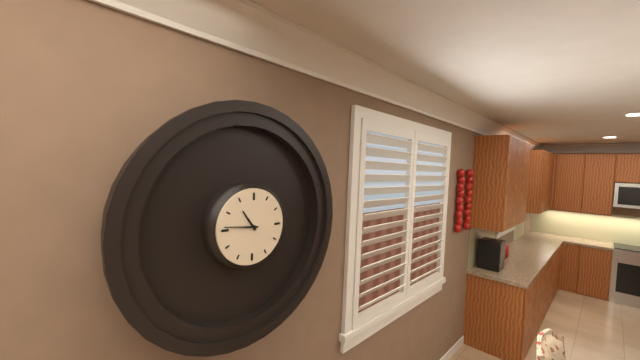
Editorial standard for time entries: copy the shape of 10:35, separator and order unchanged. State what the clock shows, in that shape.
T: 10:46
